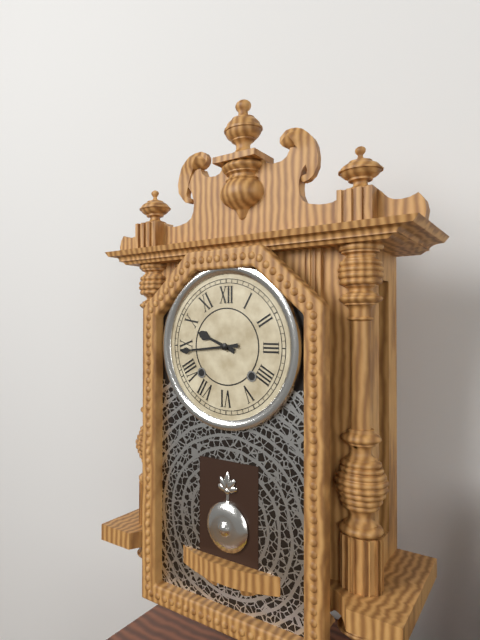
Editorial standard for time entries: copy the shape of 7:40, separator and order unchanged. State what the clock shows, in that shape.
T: 9:44
